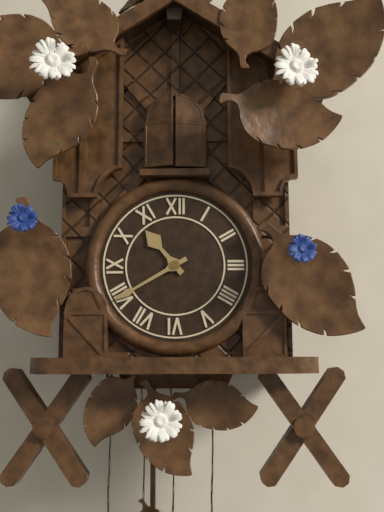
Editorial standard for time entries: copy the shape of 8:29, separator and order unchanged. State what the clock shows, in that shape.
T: 10:40
